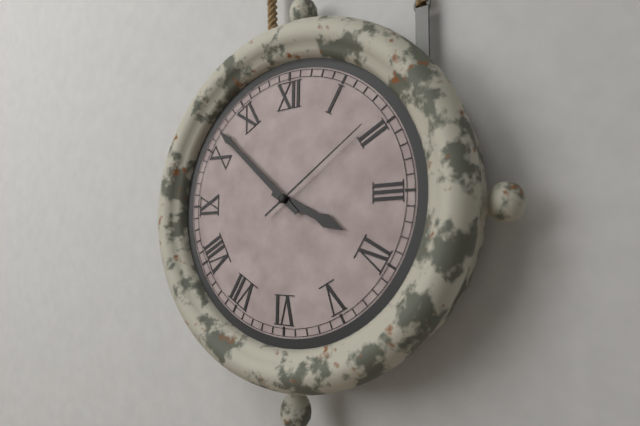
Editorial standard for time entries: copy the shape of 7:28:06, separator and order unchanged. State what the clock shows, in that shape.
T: 3:52:09
